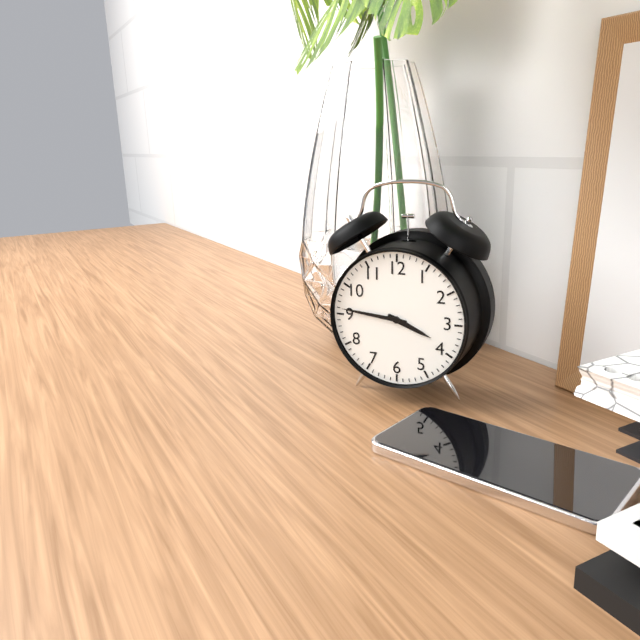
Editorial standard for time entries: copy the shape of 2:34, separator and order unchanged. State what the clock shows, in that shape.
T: 3:46
